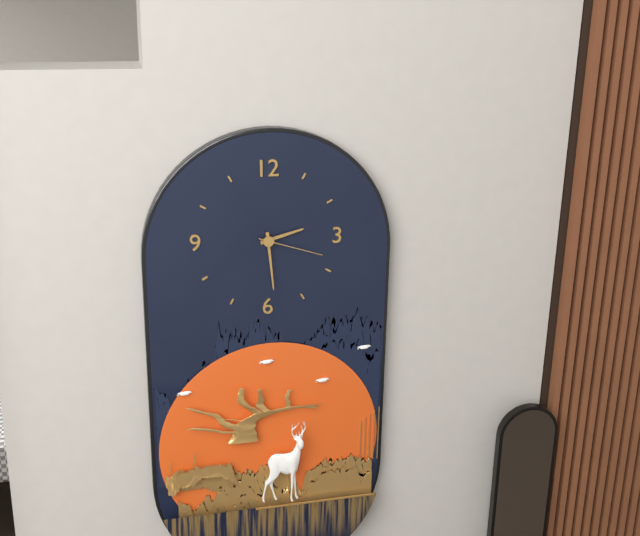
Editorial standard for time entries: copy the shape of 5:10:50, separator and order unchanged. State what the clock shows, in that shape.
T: 2:29:18
